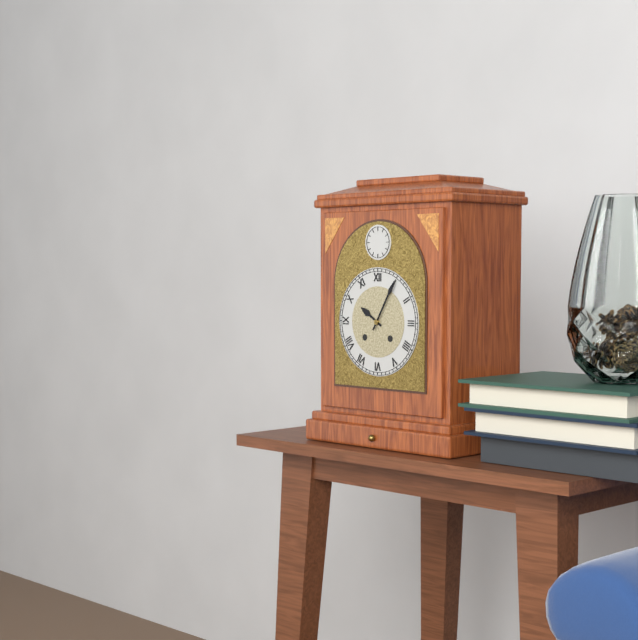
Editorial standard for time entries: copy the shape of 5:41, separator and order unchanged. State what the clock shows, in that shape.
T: 10:05
